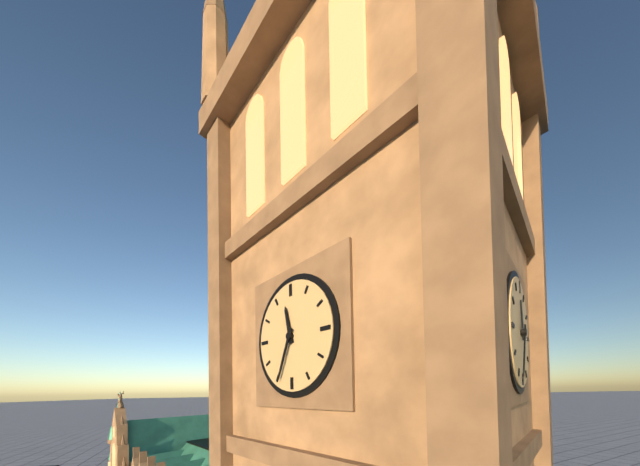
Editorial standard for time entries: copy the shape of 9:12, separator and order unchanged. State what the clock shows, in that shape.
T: 11:34
